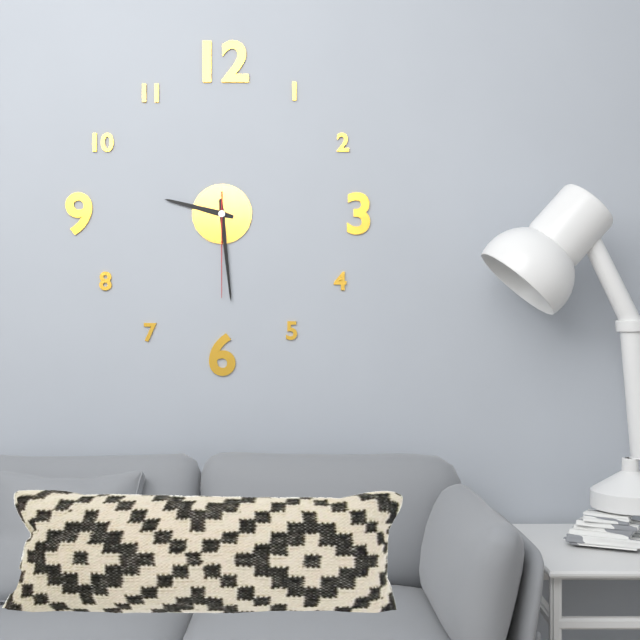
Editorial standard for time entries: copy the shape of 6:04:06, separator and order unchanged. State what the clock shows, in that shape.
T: 9:29:30
